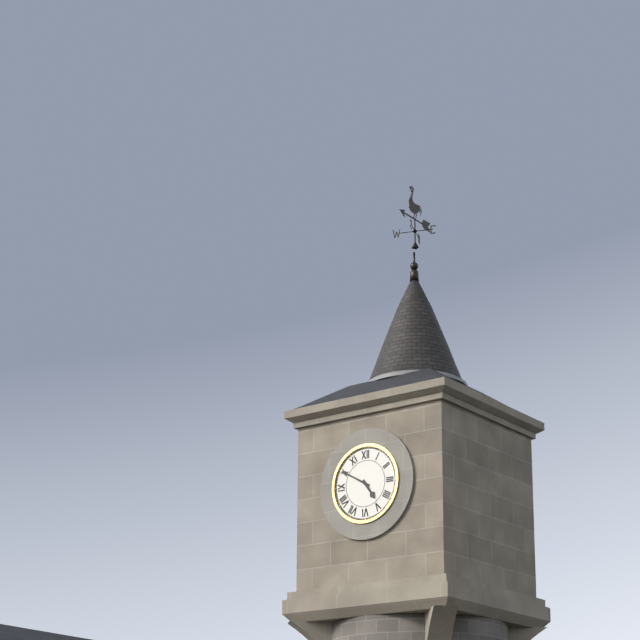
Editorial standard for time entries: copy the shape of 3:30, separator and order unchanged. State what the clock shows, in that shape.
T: 4:50
